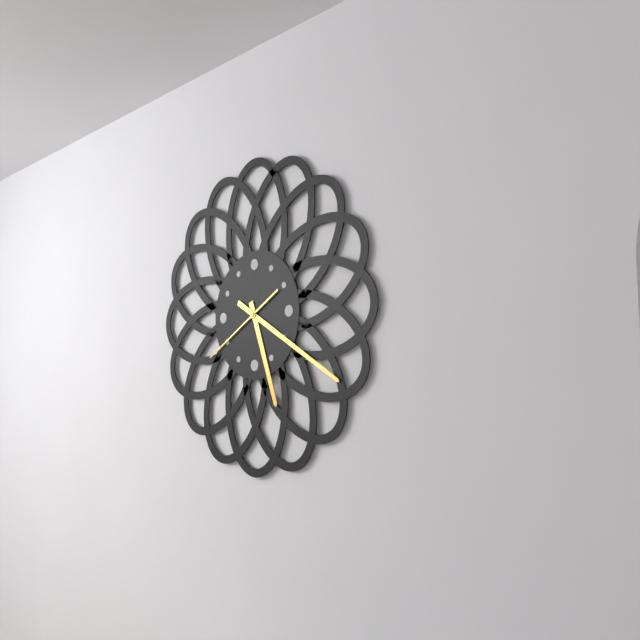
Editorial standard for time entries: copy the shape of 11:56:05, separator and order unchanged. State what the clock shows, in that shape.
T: 5:20:40
